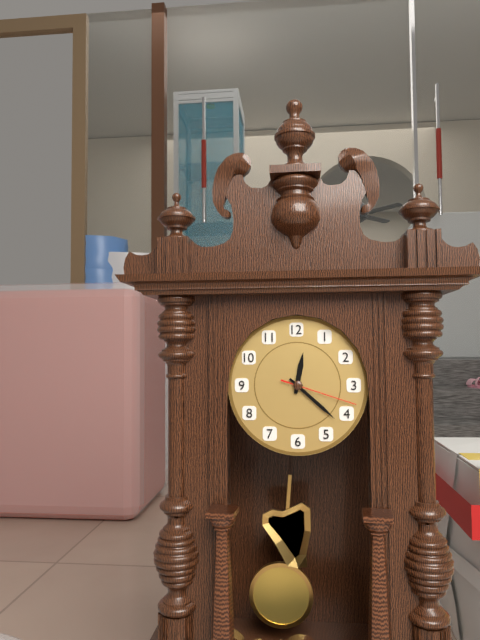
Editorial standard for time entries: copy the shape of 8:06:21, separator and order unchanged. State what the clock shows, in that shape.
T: 12:22:18
